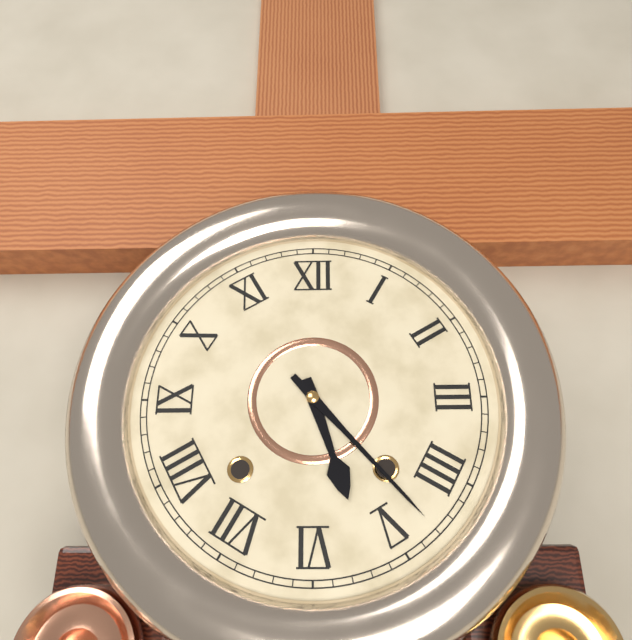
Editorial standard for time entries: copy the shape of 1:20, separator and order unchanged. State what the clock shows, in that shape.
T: 5:23
